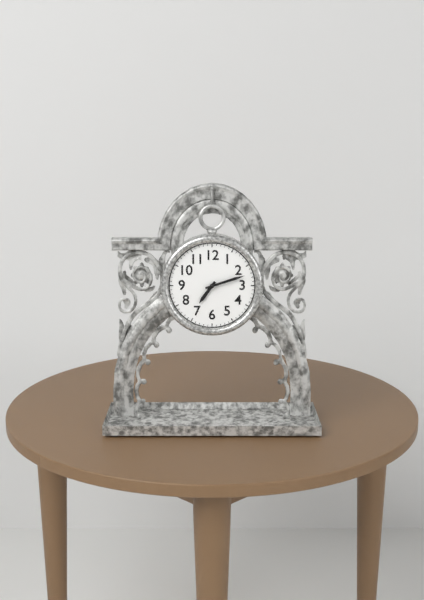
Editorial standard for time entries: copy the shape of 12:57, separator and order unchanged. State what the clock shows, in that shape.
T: 7:12
